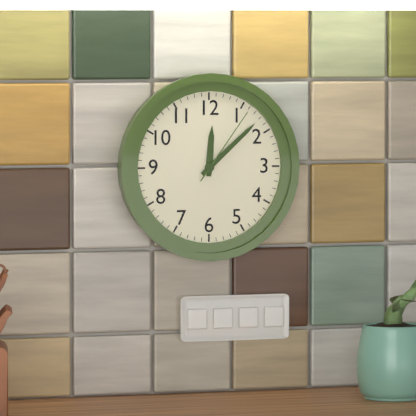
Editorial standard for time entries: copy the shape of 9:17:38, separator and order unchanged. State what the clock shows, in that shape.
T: 12:08:06
